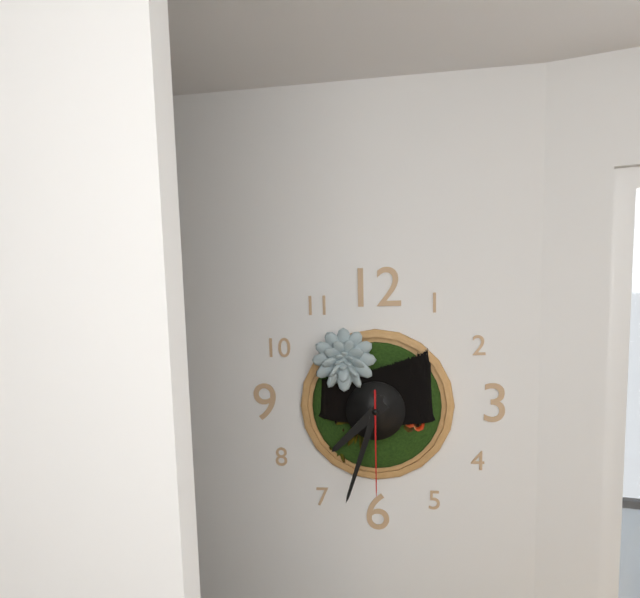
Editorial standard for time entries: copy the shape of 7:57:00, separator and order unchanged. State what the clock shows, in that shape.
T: 7:33:30
